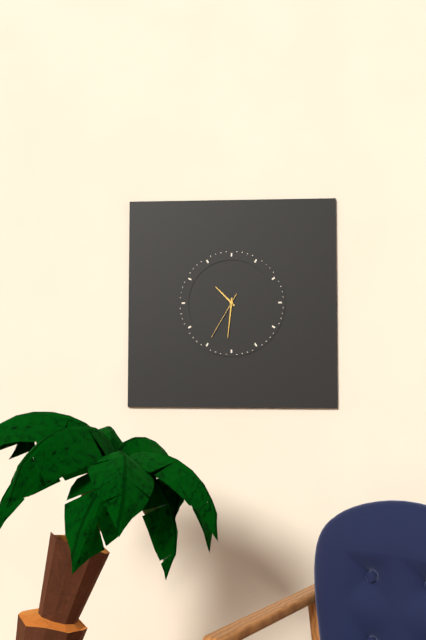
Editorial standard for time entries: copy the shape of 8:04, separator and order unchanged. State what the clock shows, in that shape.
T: 10:31
